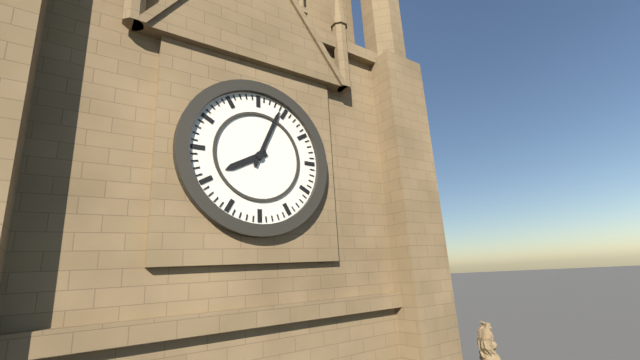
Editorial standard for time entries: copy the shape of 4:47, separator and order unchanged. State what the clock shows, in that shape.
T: 8:04
